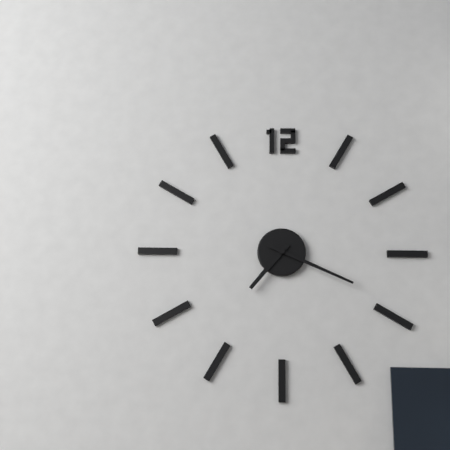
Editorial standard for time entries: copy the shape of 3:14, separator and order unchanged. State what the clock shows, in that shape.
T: 7:19
